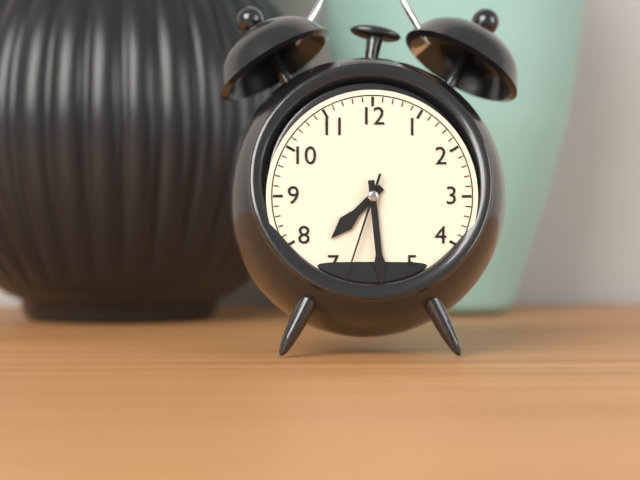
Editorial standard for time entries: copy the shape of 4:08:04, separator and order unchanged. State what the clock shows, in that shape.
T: 7:29:33
